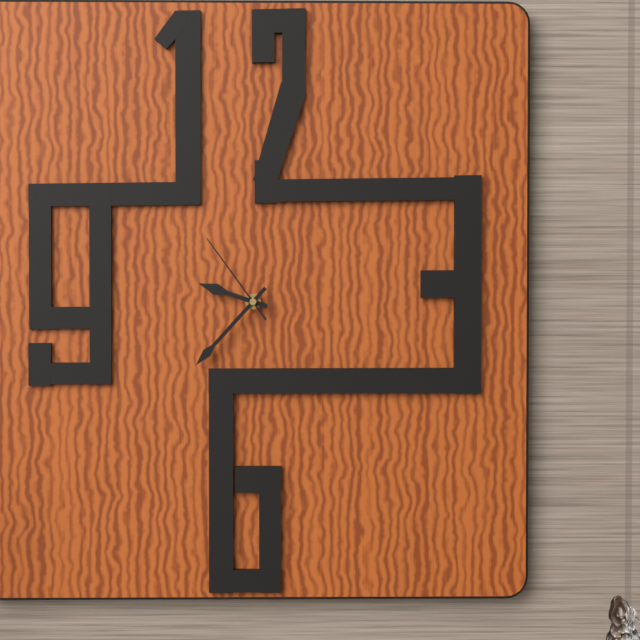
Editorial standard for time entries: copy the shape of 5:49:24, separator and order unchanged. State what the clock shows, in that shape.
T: 9:37:54
